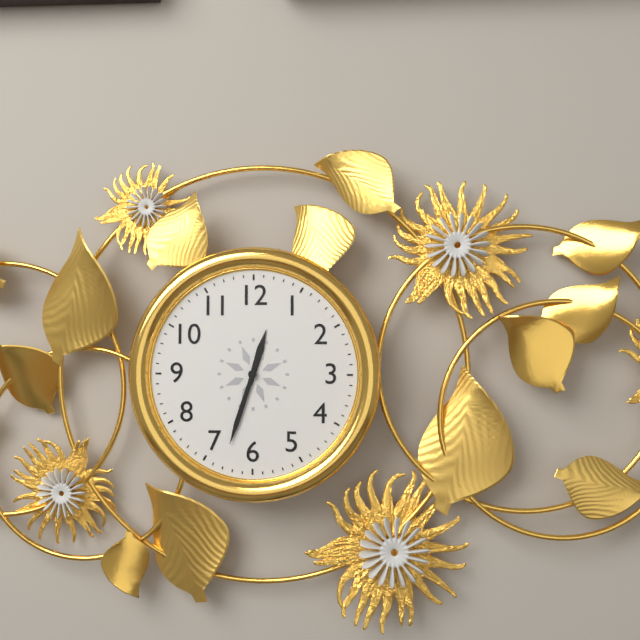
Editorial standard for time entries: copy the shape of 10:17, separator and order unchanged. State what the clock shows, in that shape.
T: 12:33
